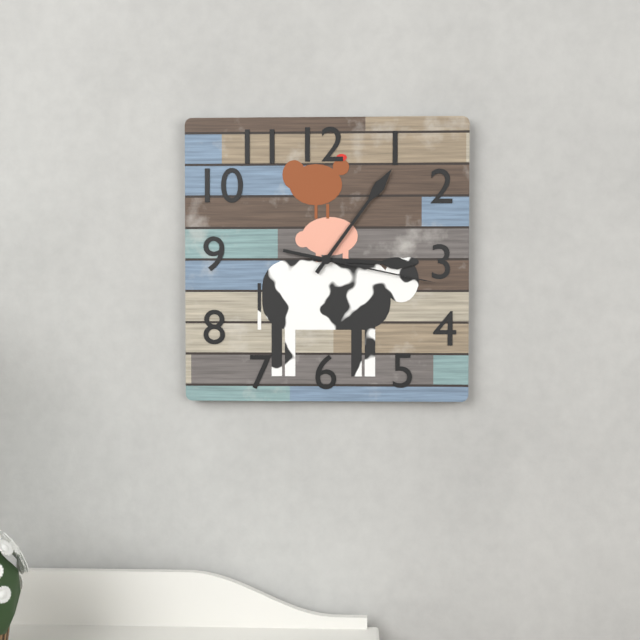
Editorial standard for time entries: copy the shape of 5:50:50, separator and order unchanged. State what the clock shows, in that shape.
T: 3:06:17
